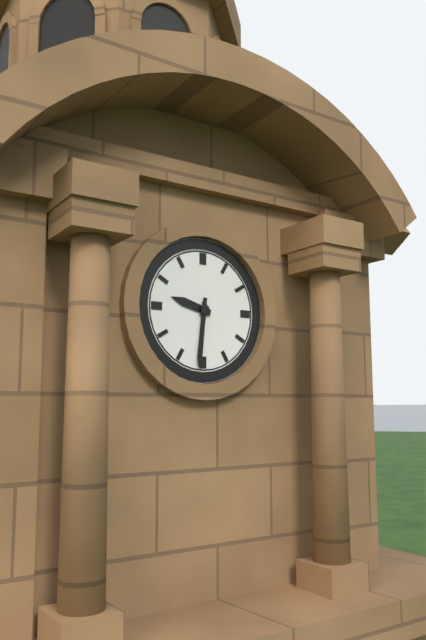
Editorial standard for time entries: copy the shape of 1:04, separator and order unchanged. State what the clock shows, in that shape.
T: 9:31
